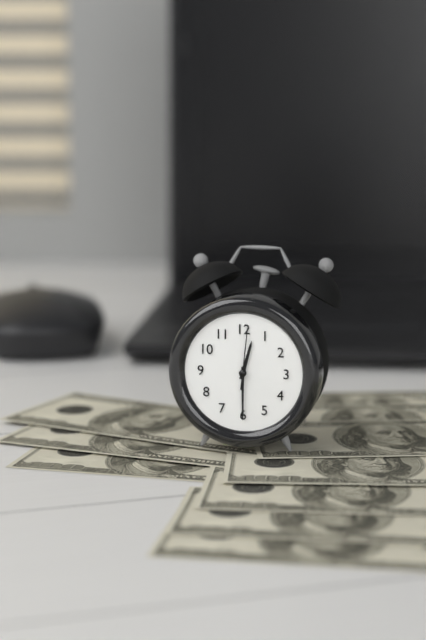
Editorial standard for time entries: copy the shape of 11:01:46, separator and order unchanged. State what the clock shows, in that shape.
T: 12:30:01
